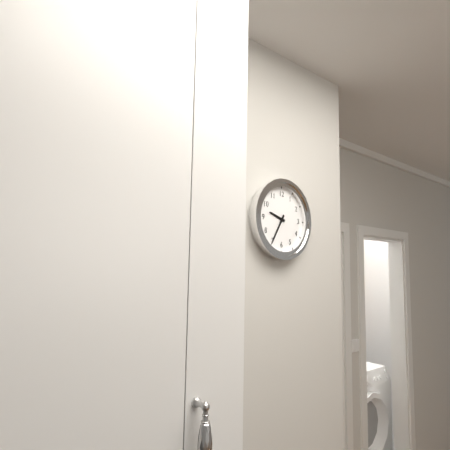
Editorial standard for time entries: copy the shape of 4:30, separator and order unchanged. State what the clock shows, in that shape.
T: 9:35
